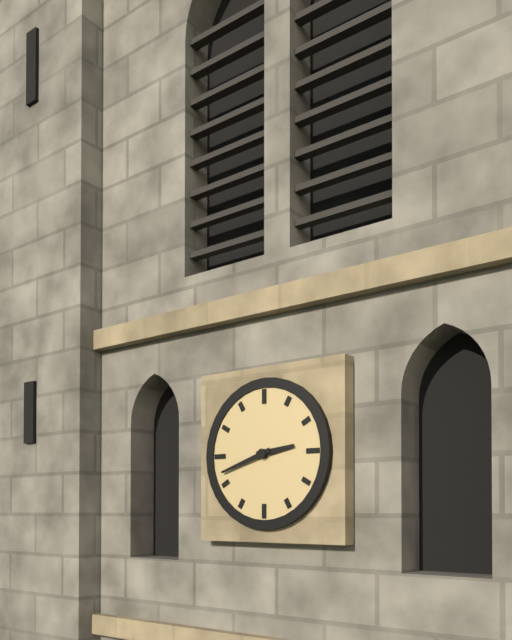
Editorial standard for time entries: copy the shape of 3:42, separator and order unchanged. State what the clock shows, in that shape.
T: 2:42
